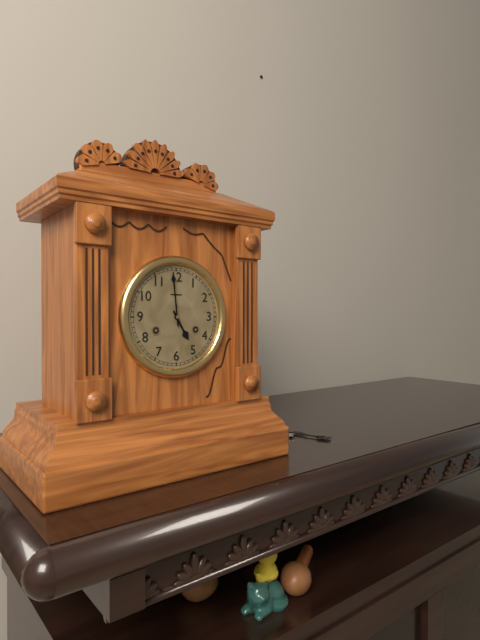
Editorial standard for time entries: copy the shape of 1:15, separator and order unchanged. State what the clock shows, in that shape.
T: 4:59
